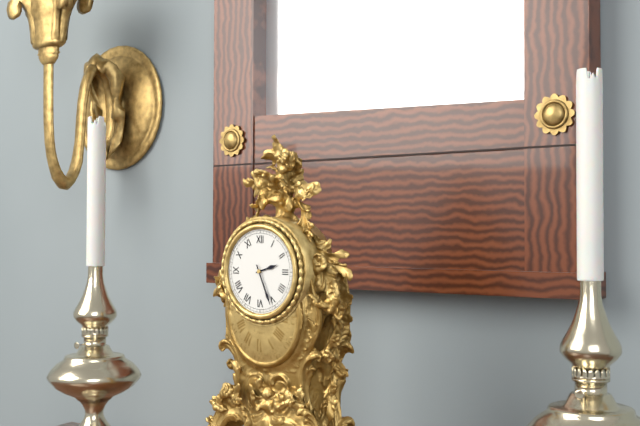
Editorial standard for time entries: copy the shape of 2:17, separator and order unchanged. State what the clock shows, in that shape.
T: 2:26
